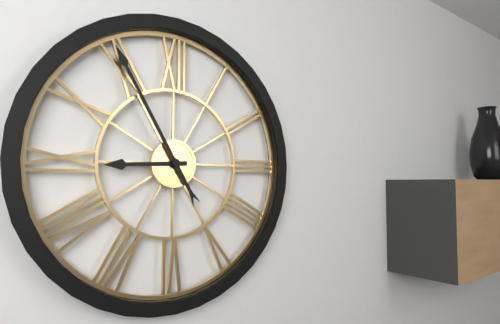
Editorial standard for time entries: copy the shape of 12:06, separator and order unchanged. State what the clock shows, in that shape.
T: 8:55
